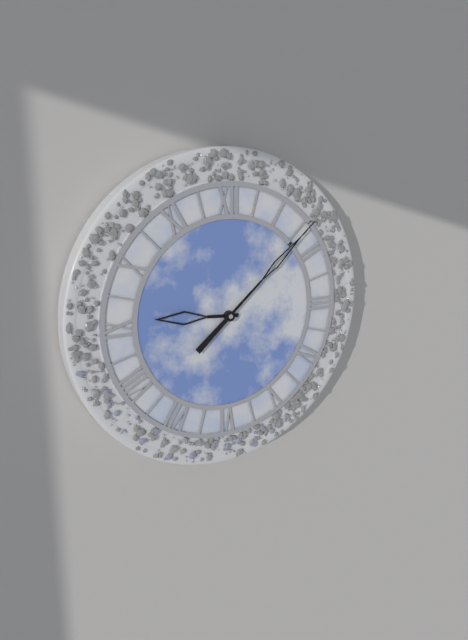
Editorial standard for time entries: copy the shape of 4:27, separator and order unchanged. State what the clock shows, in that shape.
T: 9:08
